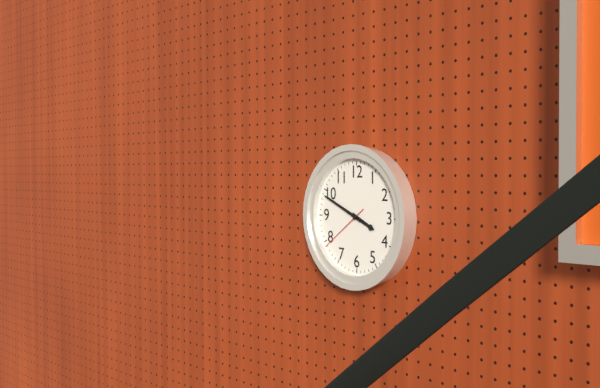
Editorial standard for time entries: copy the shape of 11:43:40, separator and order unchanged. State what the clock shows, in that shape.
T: 3:49:39
